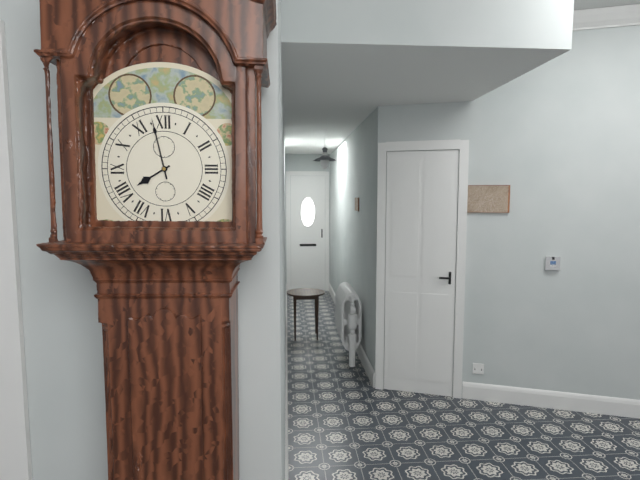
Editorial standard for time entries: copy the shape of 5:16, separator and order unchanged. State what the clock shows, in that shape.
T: 7:58
